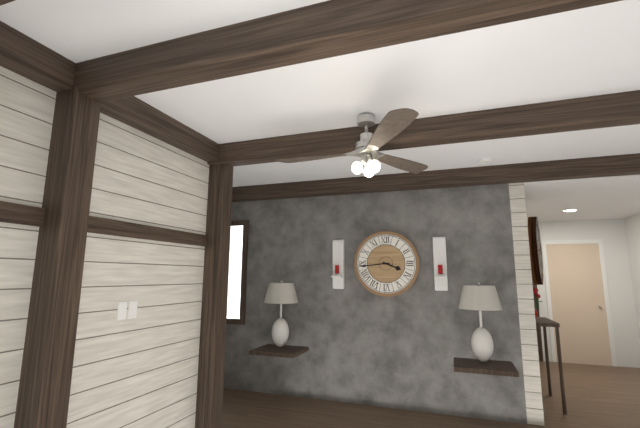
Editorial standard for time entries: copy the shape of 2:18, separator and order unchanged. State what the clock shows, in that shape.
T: 3:44
